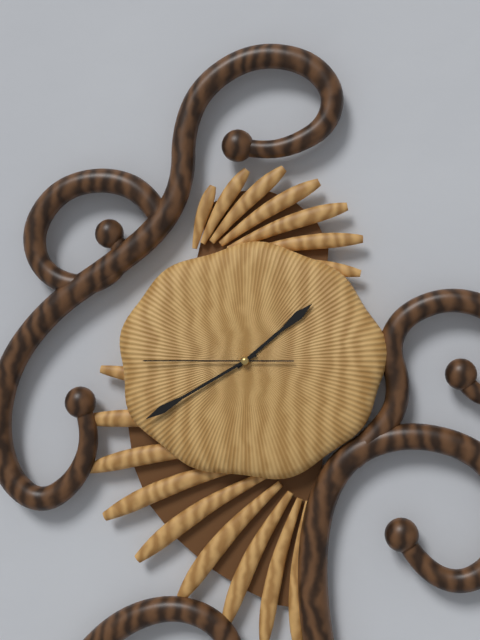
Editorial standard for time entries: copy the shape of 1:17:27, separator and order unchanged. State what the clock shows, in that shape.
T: 1:40:45
